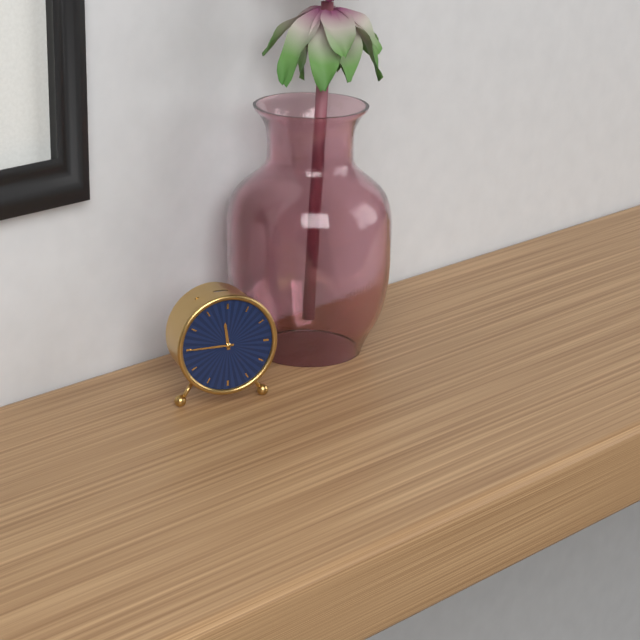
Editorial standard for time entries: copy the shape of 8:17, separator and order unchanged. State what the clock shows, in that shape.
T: 11:45
